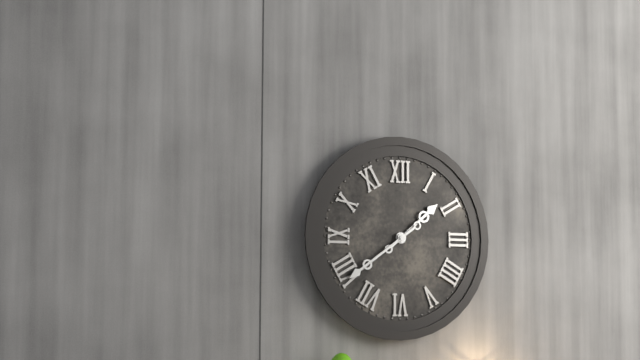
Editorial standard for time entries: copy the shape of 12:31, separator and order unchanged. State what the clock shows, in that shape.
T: 1:39
